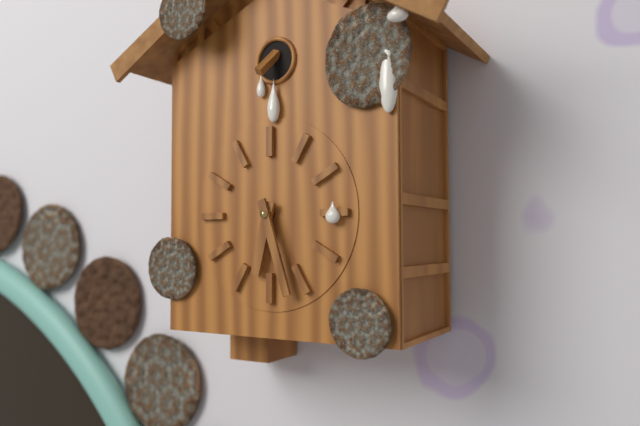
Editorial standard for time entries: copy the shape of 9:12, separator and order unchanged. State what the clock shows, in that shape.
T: 6:27
